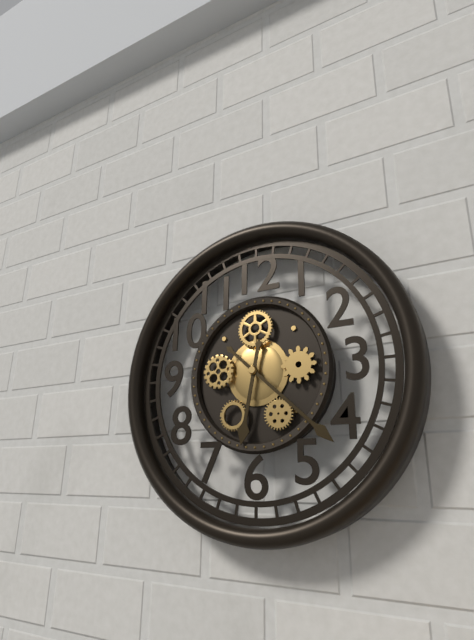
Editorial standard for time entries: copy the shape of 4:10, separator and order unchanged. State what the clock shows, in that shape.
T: 6:22
